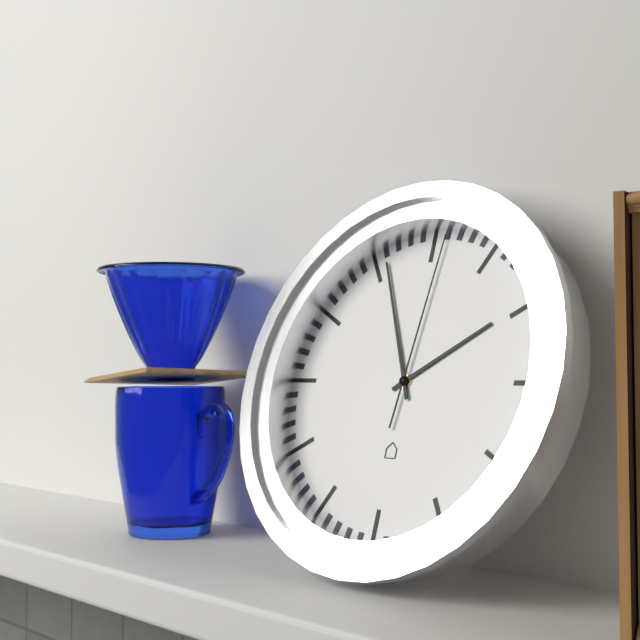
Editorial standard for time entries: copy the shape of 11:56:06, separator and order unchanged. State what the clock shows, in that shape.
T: 1:56:01
